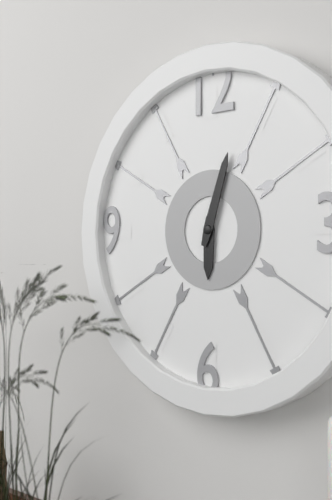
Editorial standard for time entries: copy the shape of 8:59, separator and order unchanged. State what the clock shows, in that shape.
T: 6:03
